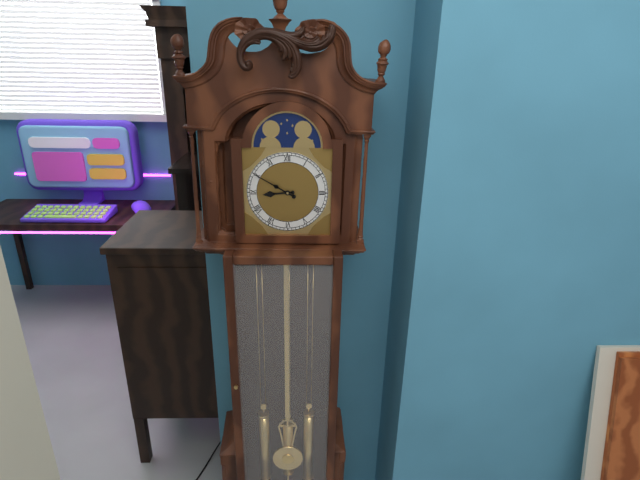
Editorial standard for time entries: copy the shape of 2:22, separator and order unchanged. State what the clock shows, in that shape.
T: 8:50
